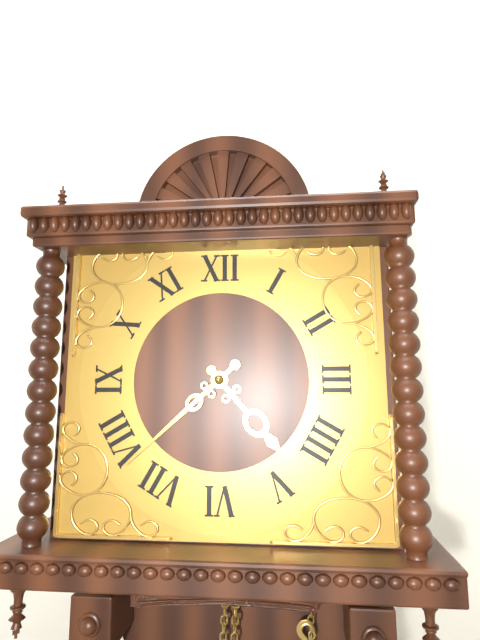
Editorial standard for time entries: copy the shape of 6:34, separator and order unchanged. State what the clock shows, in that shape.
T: 4:38
